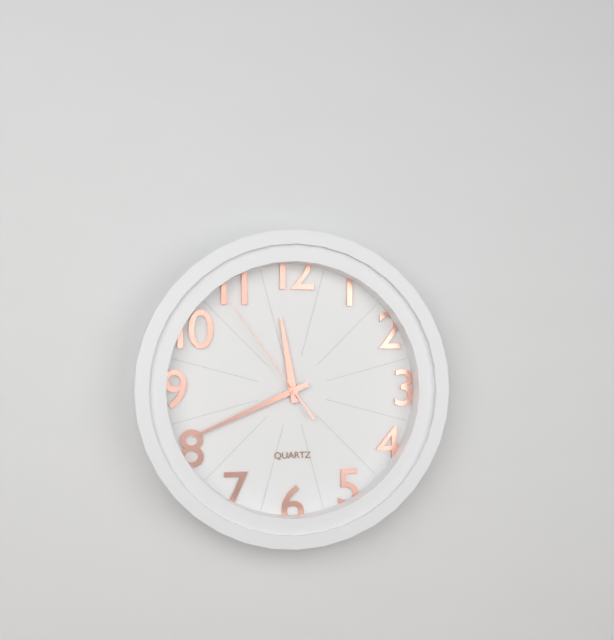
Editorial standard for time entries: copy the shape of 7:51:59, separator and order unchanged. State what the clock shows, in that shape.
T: 11:41:54
